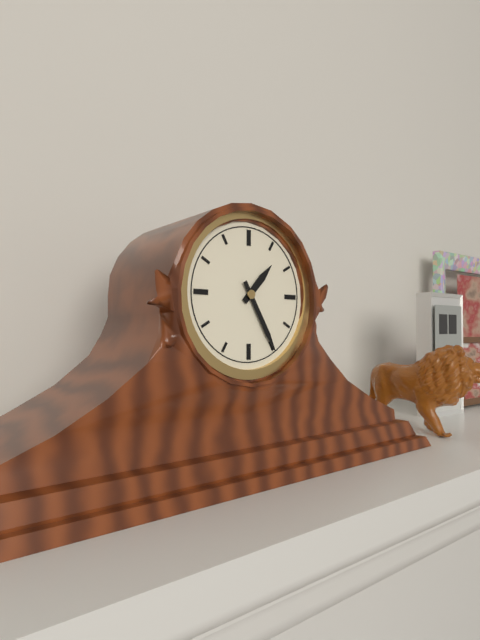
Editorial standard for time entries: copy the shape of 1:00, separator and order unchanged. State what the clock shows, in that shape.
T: 1:25
